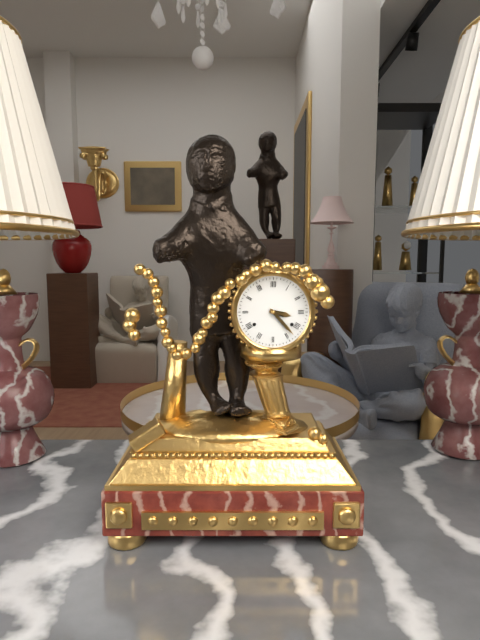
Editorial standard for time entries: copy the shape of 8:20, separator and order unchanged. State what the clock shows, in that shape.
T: 3:23
